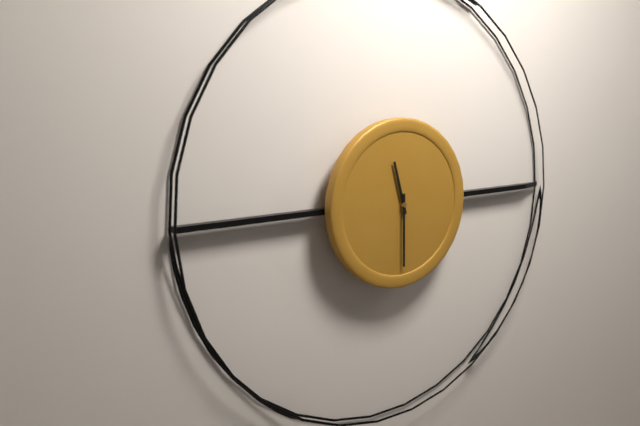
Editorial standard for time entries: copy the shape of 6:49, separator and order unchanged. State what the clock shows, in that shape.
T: 11:30
